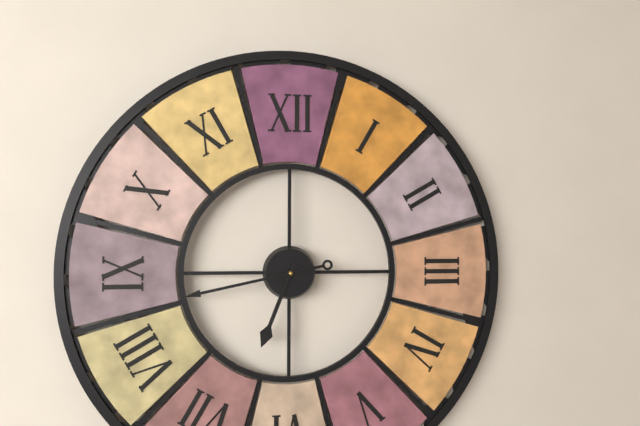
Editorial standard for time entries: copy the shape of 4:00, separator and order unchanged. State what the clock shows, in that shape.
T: 6:43
